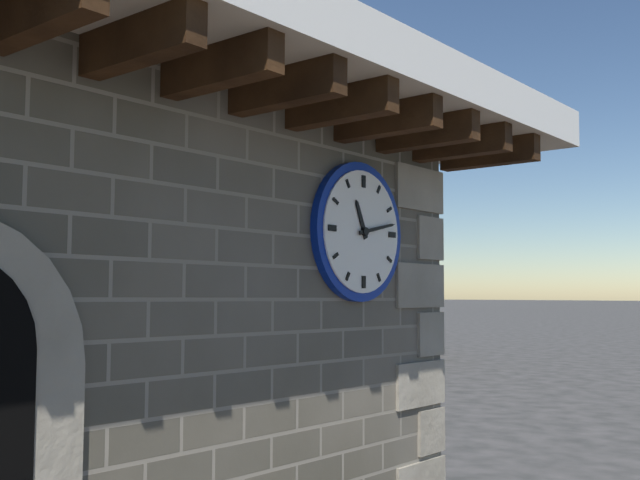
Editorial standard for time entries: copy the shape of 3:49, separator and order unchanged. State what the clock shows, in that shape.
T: 11:13
